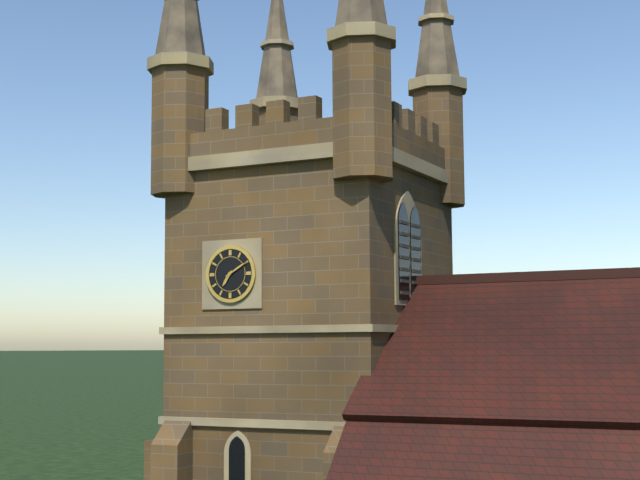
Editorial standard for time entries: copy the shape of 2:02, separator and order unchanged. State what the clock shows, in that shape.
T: 7:10
